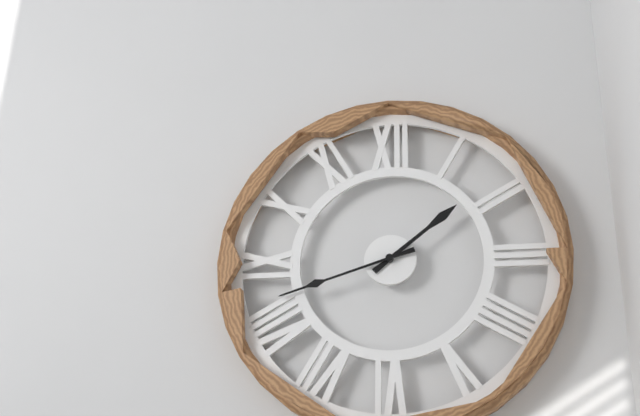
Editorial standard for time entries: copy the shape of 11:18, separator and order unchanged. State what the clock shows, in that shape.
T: 1:42
